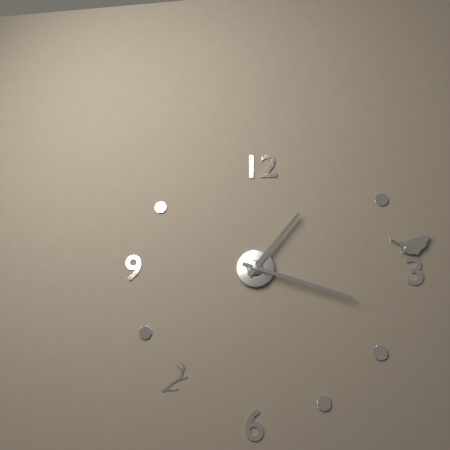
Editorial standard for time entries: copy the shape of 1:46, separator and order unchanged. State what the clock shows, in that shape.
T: 1:18
